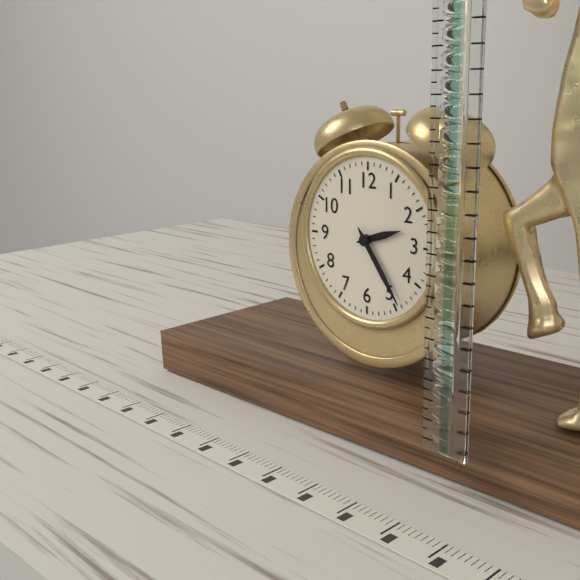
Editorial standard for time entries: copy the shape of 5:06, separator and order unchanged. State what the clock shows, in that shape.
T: 2:24
